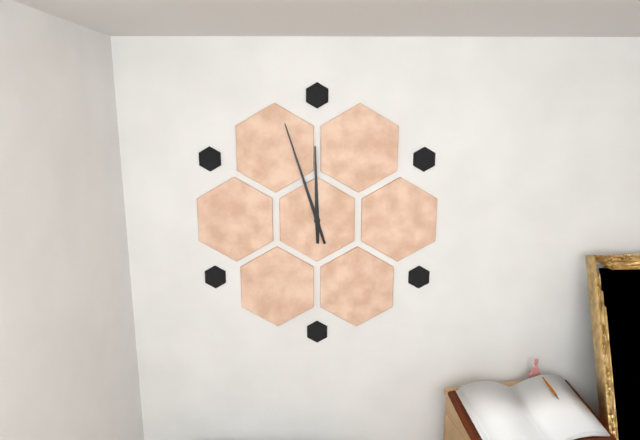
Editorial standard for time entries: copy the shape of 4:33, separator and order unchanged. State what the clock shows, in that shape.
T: 11:57
